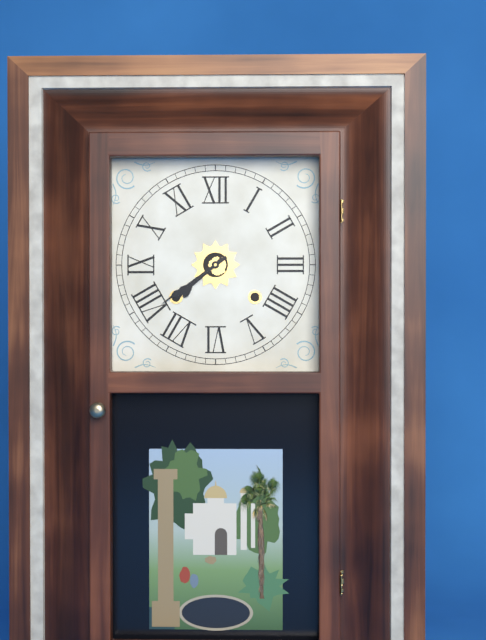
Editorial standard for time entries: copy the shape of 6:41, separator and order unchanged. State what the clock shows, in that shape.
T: 7:39
